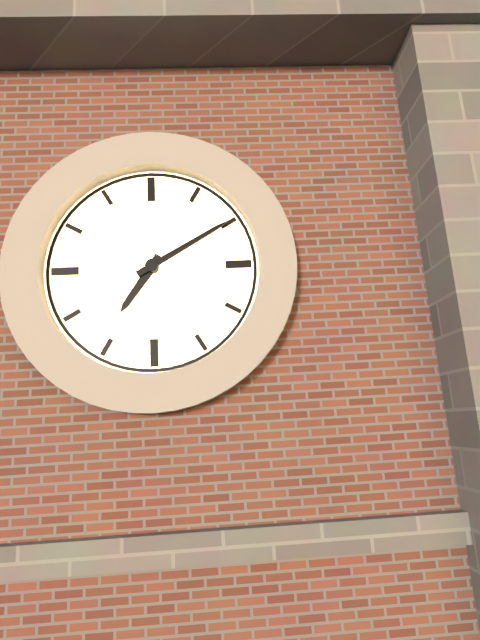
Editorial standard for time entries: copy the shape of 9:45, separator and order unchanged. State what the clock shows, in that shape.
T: 7:10
